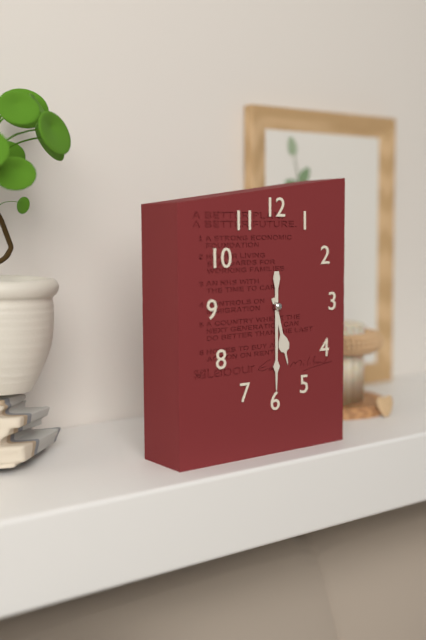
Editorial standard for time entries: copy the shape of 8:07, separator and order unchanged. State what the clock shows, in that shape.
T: 5:30
